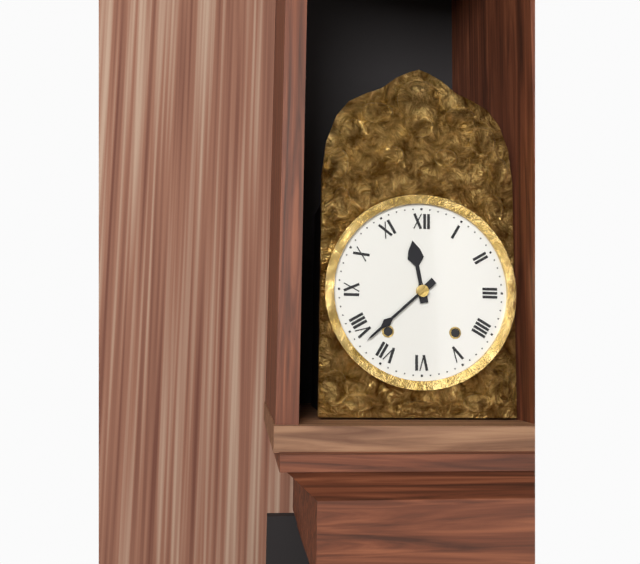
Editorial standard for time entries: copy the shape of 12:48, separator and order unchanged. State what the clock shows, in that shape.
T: 11:38
